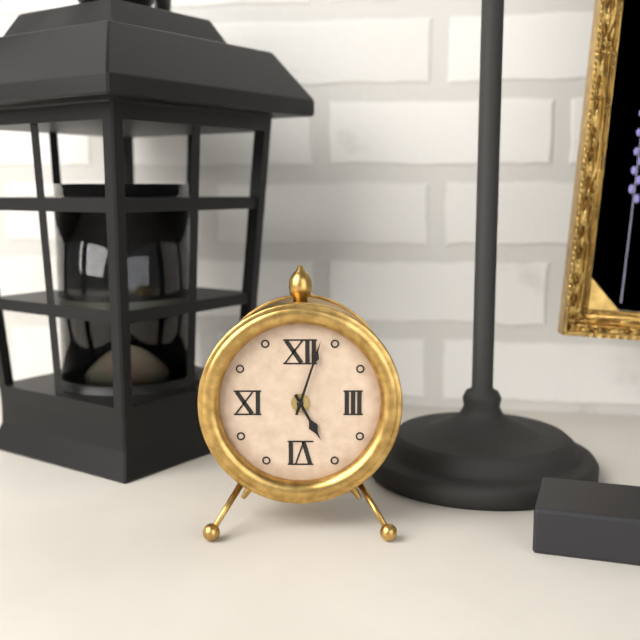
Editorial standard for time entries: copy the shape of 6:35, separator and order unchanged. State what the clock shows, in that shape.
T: 5:03
